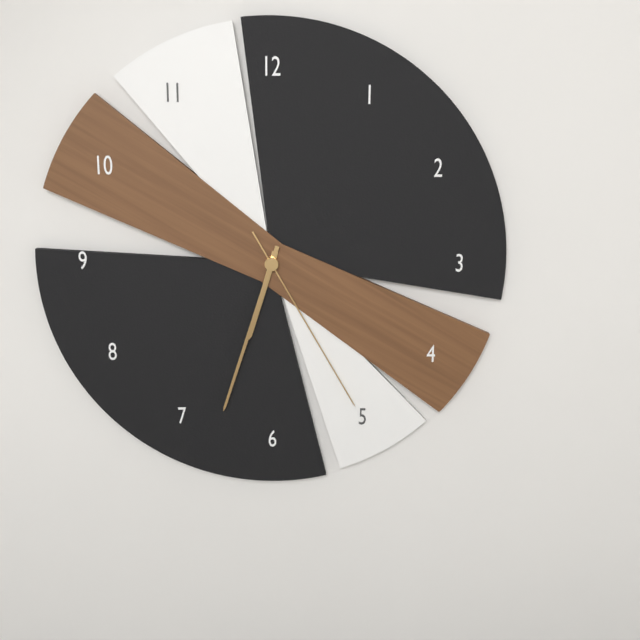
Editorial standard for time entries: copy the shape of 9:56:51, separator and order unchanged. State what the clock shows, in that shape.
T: 6:33:25
